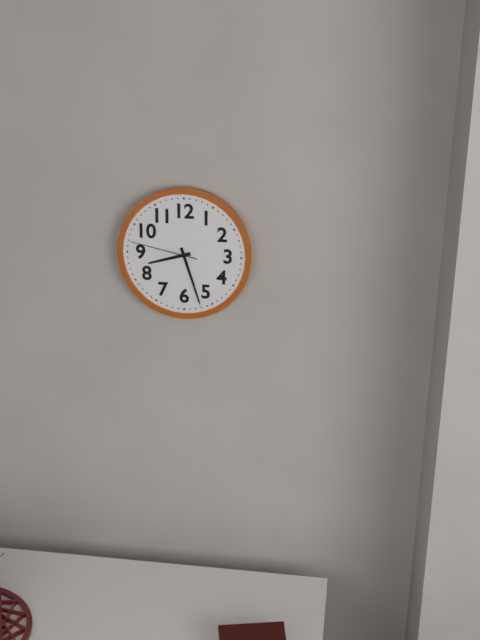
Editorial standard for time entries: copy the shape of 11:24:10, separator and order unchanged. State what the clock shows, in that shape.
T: 8:27:47
